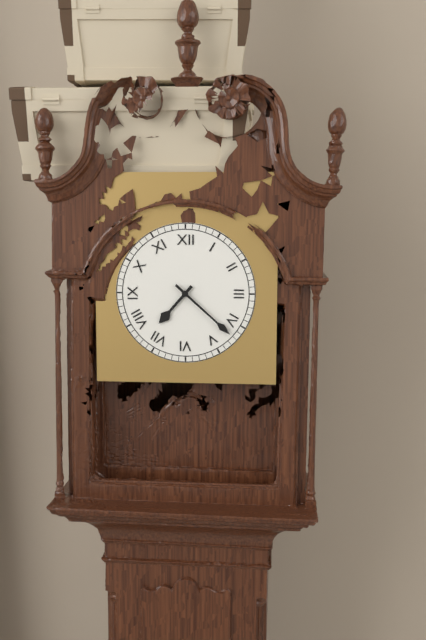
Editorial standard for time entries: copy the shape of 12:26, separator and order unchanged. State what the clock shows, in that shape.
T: 7:22
